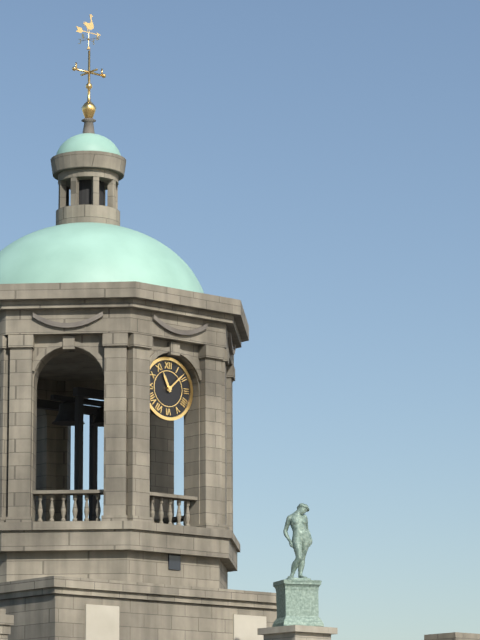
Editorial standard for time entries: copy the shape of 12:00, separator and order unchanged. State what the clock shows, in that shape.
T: 11:08
